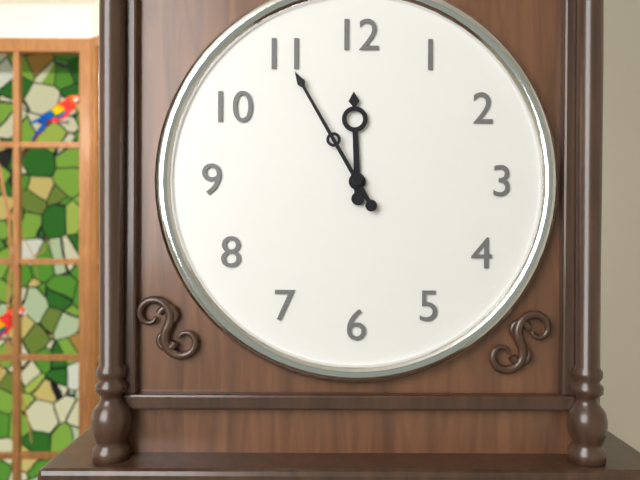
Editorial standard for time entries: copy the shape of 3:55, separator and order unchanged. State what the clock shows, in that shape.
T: 11:55
